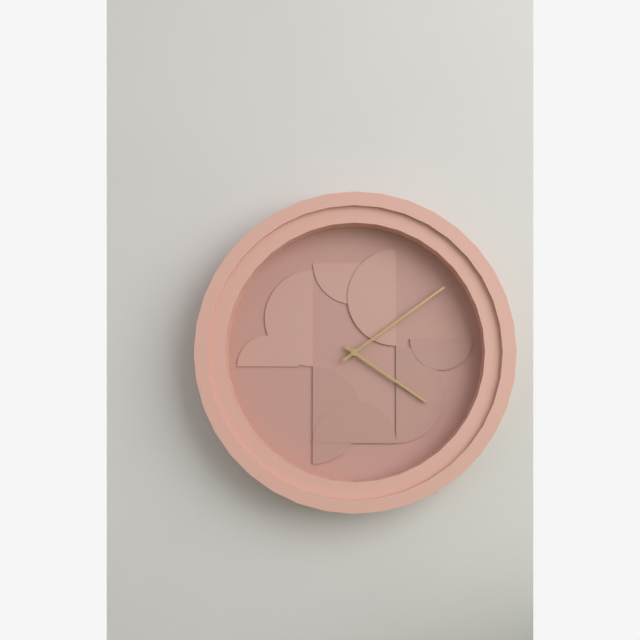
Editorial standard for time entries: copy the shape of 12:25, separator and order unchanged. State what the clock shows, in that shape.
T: 4:09
